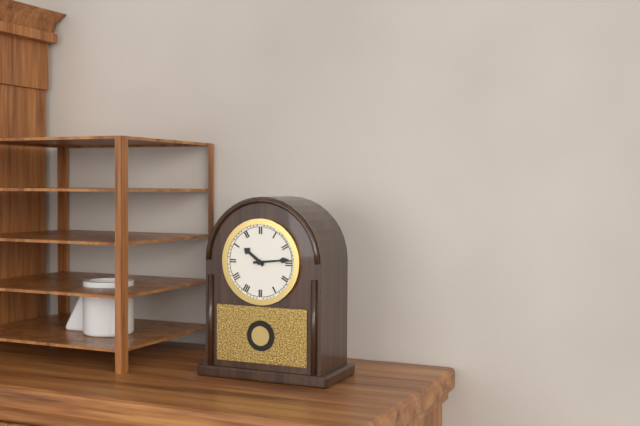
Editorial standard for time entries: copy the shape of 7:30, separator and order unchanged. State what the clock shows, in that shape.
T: 10:14
